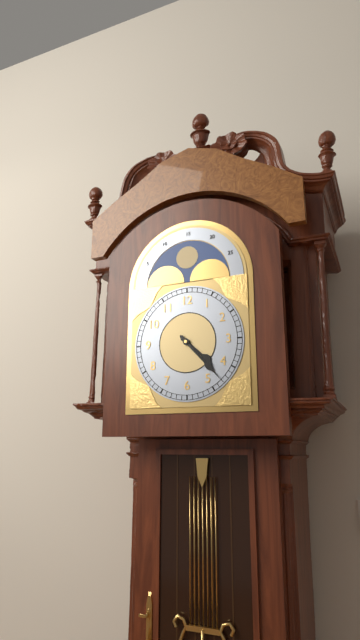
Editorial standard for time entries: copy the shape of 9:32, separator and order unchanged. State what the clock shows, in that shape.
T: 4:23
